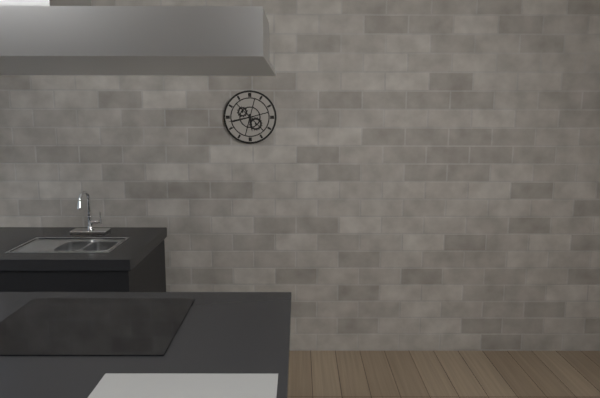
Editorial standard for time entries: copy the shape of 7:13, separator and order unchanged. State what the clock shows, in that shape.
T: 5:43
